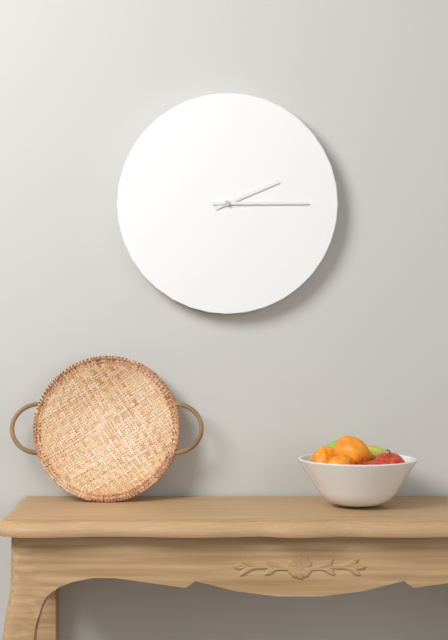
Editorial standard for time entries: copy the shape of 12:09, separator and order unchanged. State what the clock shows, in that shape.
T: 2:15
